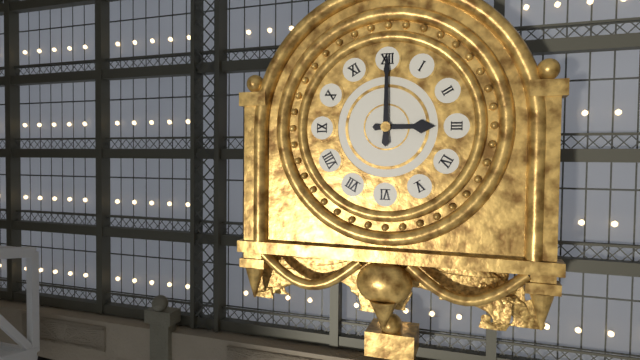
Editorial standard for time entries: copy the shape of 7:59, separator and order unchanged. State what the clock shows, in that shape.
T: 3:00
